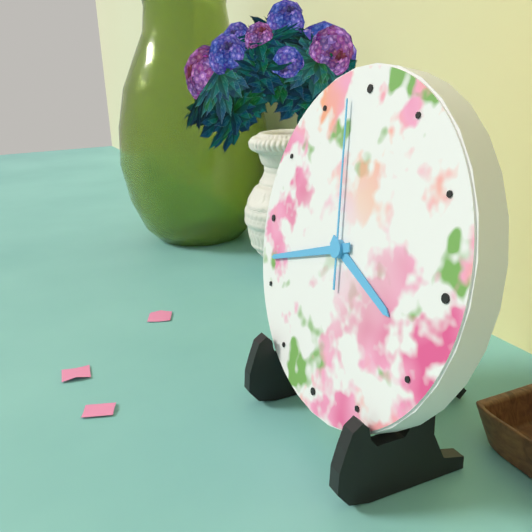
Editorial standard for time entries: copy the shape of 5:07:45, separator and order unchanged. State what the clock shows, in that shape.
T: 3:42:58
